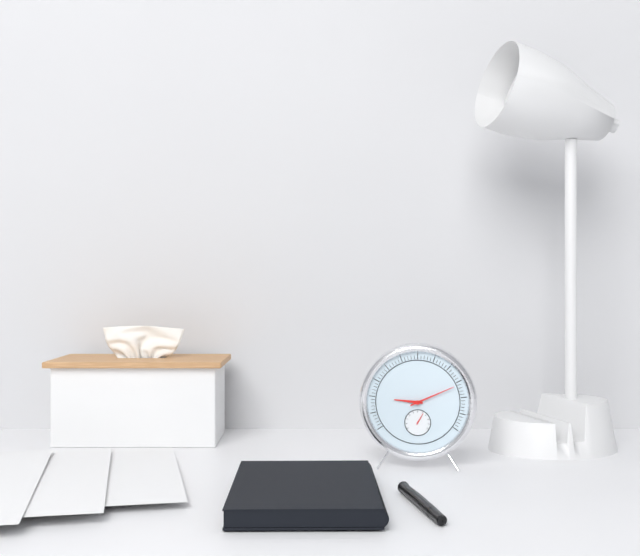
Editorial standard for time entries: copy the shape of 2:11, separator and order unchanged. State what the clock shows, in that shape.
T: 9:11
